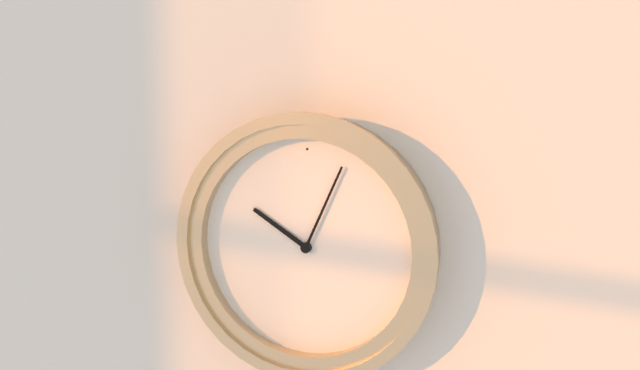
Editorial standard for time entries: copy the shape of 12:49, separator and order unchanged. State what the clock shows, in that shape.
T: 10:04
